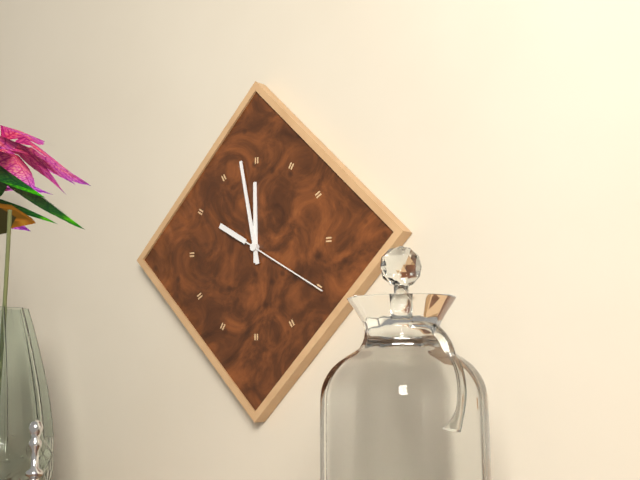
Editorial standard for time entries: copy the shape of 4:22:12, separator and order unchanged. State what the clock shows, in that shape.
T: 11:58:20
